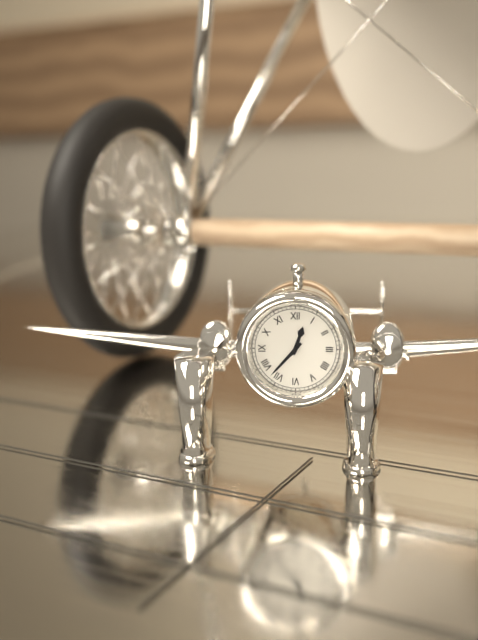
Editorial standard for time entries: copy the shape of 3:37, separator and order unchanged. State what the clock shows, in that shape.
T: 12:37
